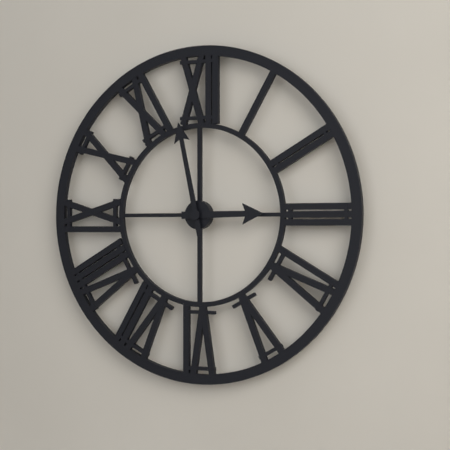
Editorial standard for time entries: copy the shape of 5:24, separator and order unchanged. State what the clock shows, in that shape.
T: 2:58
